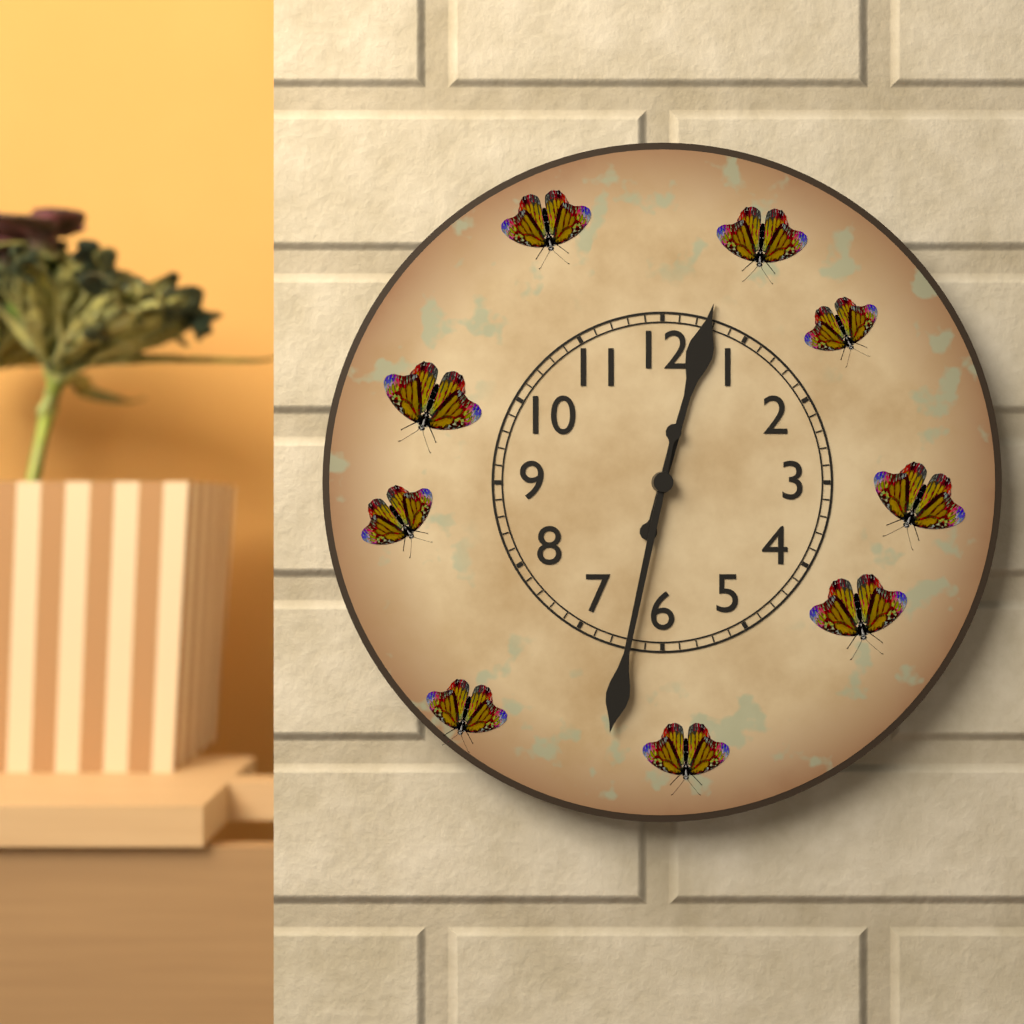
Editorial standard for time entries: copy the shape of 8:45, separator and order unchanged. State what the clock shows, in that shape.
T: 12:32
